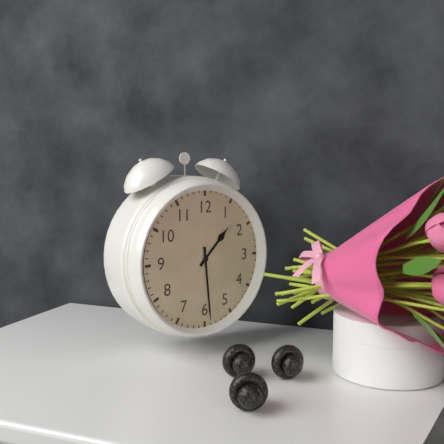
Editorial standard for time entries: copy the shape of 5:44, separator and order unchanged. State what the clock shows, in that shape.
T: 1:29
